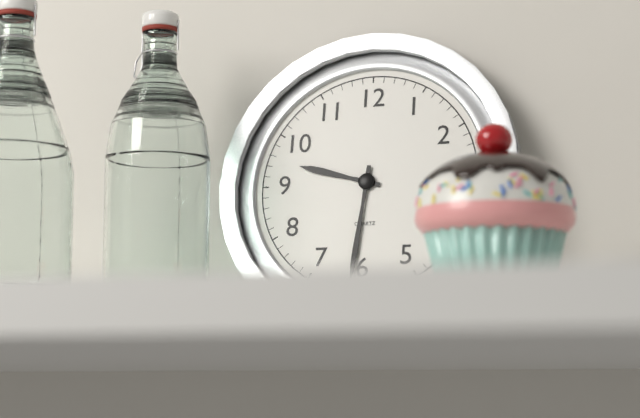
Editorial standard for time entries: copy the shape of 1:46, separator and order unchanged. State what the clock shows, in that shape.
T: 9:31
